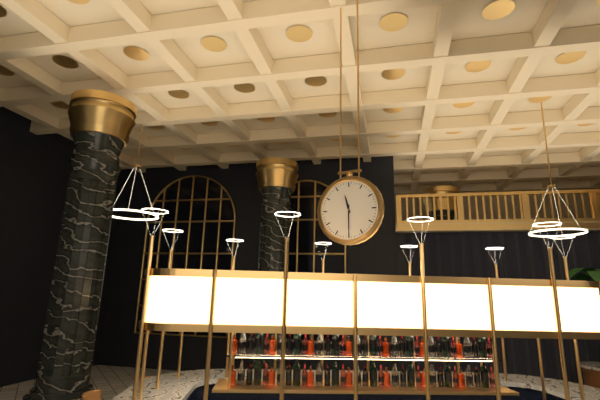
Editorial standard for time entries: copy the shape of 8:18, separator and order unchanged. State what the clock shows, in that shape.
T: 11:30
